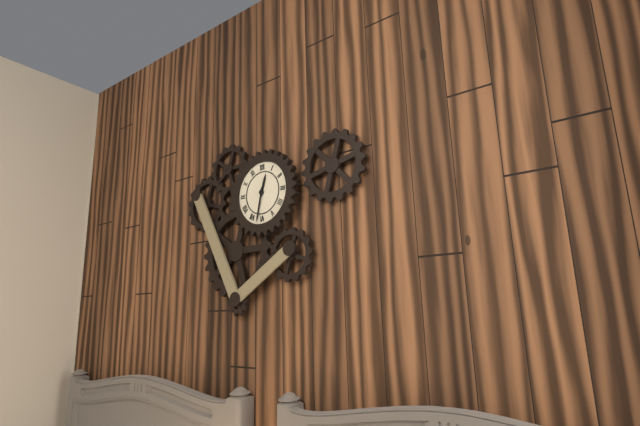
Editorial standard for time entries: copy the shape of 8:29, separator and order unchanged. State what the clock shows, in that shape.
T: 12:32
